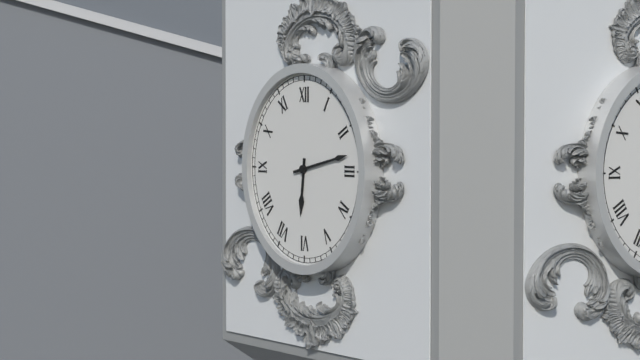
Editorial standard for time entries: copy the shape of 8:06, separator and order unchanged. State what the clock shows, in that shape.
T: 6:13
